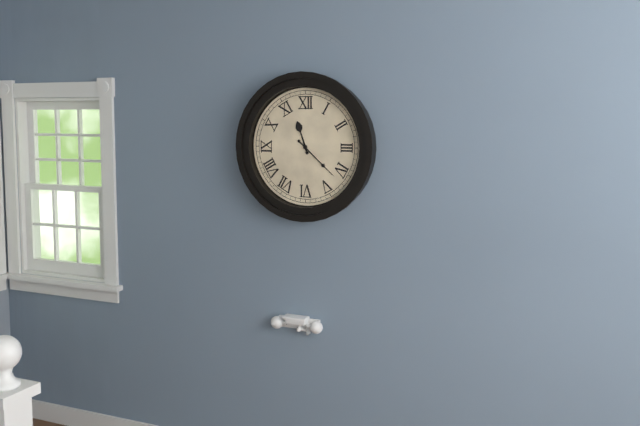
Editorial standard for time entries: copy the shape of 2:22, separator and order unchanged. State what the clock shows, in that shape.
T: 11:22
